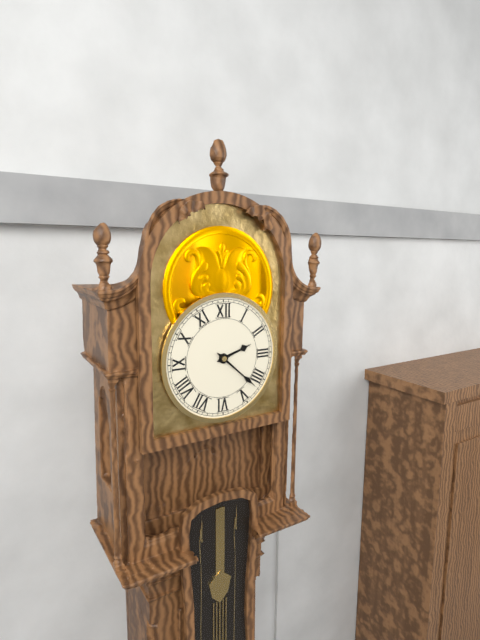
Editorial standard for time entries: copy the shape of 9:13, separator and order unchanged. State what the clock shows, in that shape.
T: 2:22
